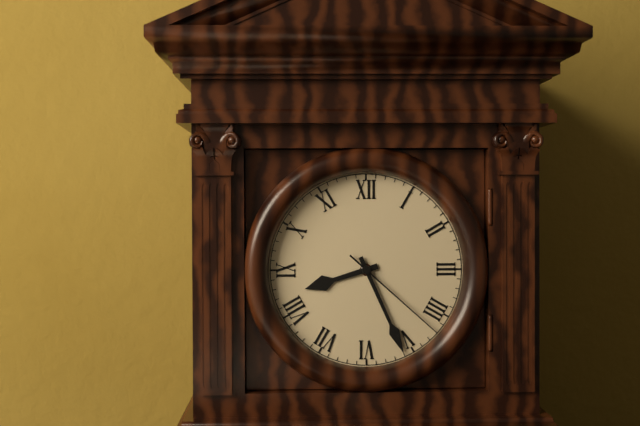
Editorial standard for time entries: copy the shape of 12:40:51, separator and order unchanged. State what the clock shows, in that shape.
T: 8:26:22
